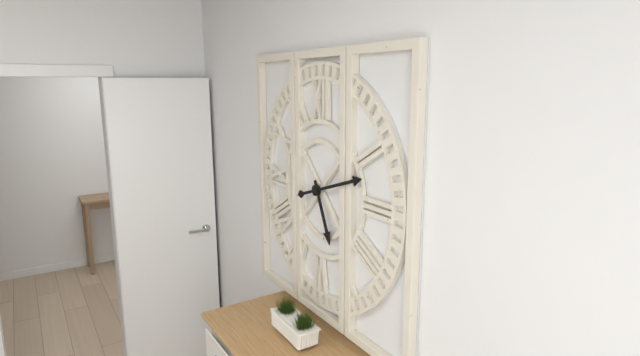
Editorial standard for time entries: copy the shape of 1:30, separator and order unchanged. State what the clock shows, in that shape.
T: 5:12
